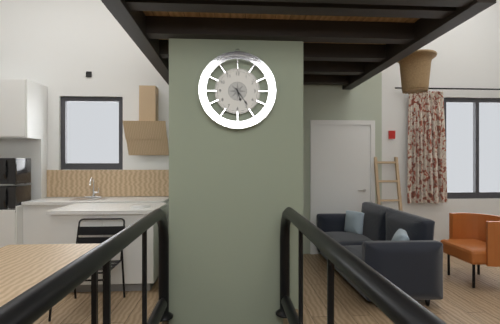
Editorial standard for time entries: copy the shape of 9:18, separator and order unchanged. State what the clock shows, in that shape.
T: 5:24
